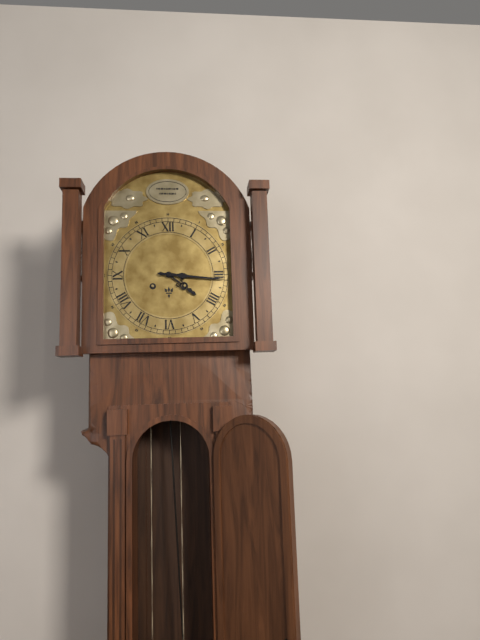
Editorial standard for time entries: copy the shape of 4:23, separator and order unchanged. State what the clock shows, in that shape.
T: 4:16
